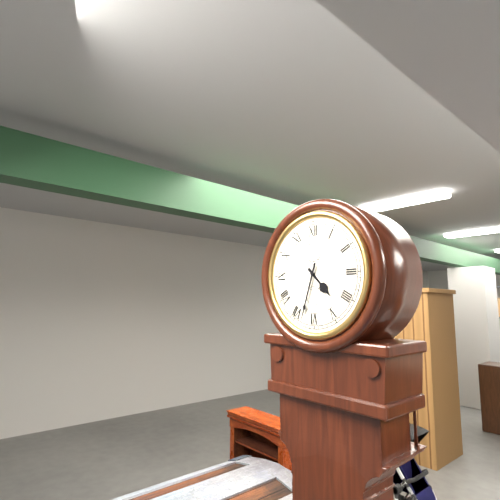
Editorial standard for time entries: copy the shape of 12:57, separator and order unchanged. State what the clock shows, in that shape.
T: 4:33
